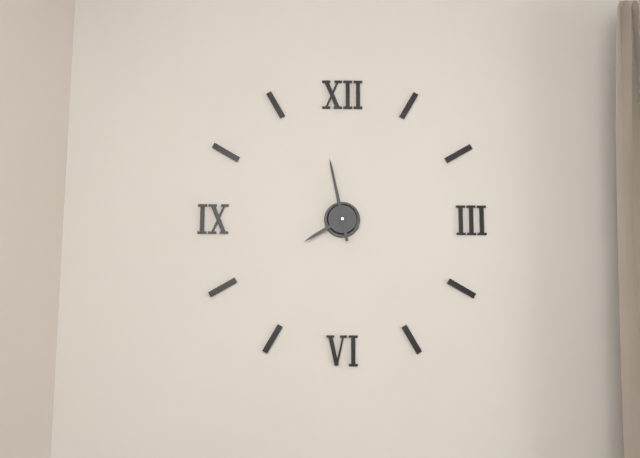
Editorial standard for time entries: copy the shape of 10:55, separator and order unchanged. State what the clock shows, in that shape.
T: 7:58
